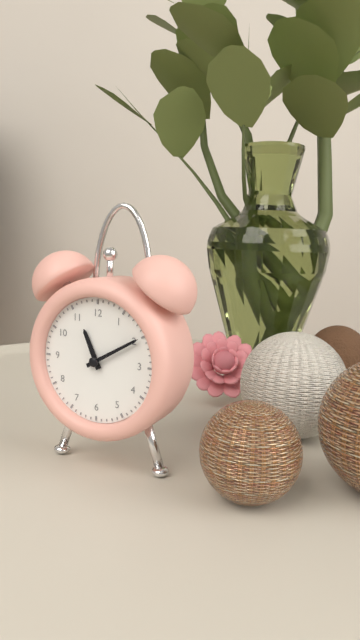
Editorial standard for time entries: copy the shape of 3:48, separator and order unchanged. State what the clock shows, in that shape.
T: 11:10
